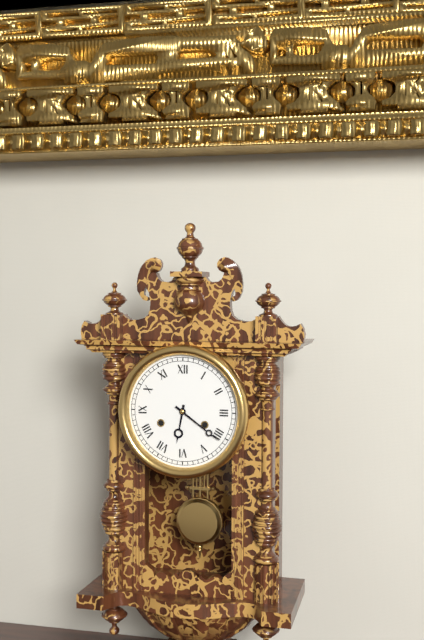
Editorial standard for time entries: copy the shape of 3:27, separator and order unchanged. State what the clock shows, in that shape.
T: 6:21
